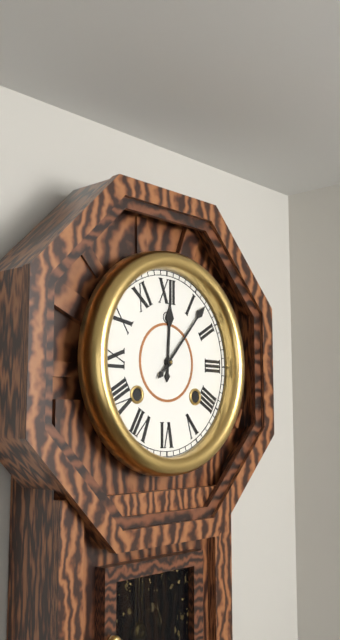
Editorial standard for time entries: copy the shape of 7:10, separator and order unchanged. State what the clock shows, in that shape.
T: 12:07
